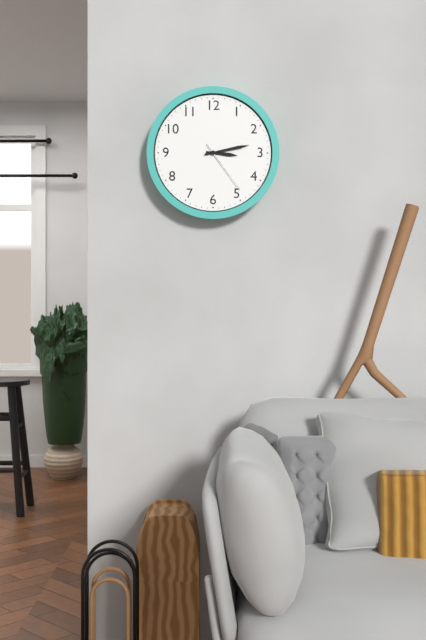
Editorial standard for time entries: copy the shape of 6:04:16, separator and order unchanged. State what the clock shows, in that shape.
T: 3:13:24
